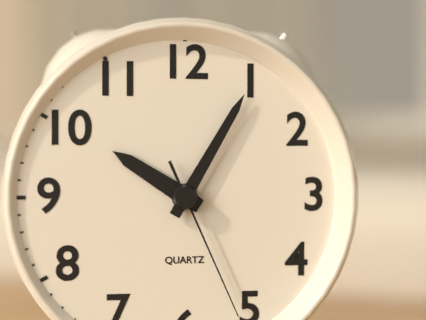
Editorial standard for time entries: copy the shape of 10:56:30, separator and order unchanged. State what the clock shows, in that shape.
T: 10:05:26
